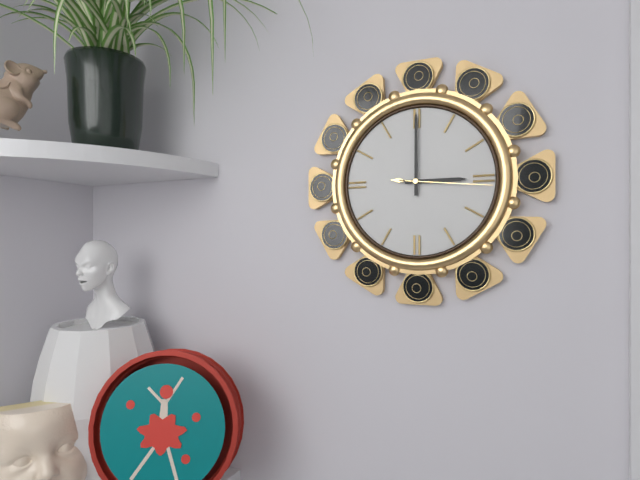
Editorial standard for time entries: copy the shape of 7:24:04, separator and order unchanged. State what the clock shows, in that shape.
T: 3:00:16
